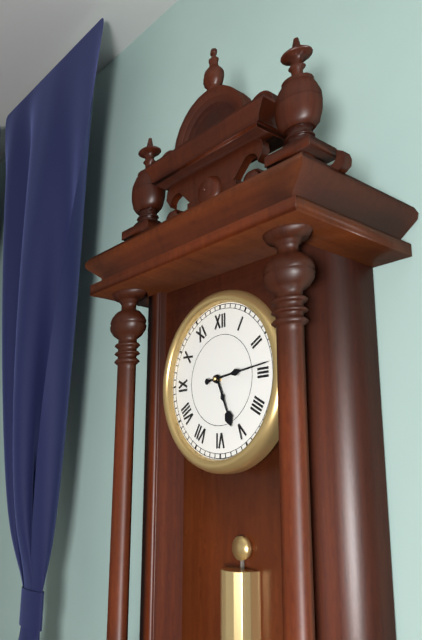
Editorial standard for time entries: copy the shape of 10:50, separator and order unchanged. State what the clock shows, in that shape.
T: 5:14
